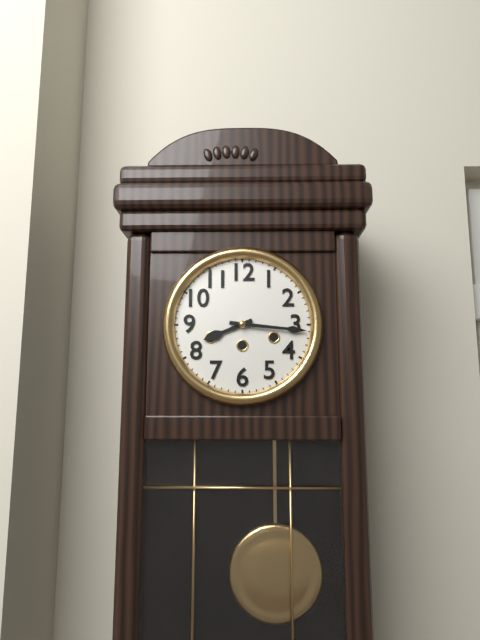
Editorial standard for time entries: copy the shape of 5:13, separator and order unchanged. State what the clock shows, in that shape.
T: 8:16
